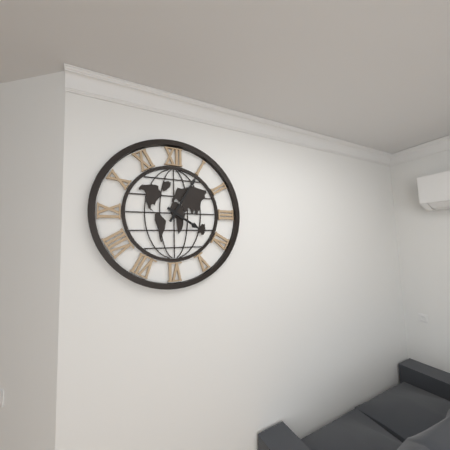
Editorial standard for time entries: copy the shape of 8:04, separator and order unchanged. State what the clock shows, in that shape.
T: 4:05
